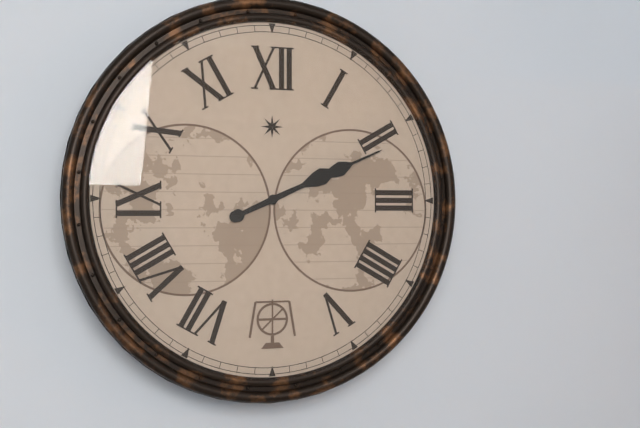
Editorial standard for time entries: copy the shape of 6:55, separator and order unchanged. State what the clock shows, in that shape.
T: 2:11
